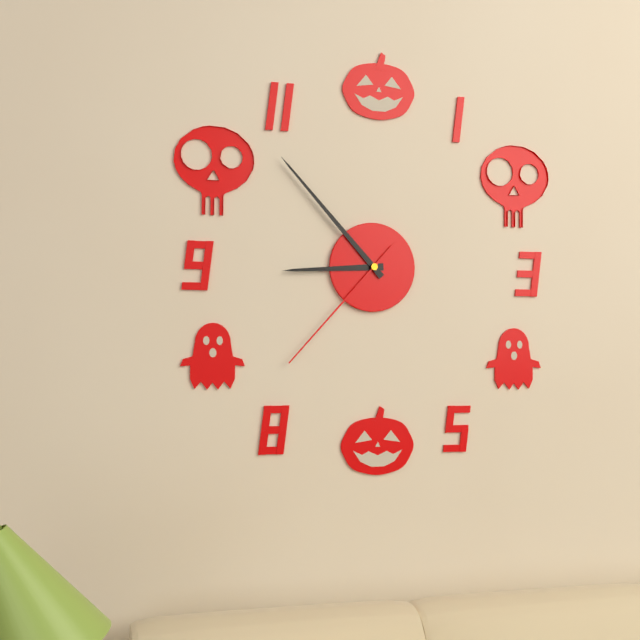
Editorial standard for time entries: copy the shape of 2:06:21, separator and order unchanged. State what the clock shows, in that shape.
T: 8:53:37
